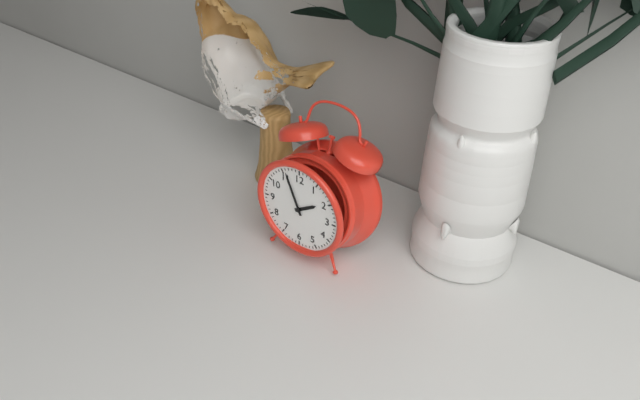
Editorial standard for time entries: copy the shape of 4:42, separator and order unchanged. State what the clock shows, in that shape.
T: 1:56
